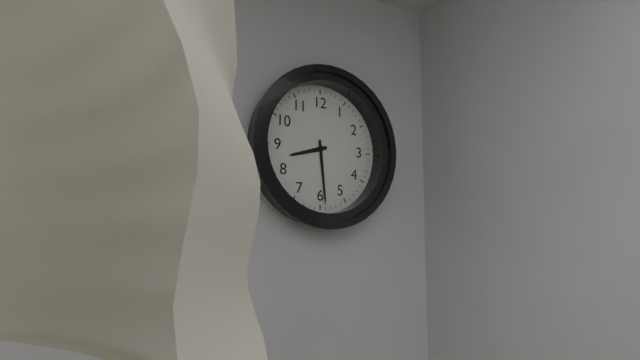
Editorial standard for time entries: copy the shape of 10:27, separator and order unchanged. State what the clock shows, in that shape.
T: 8:29
